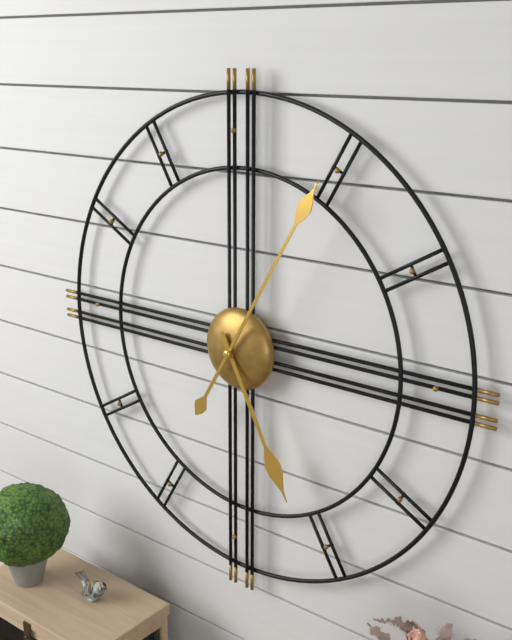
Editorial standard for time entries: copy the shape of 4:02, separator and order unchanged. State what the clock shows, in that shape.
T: 5:05
